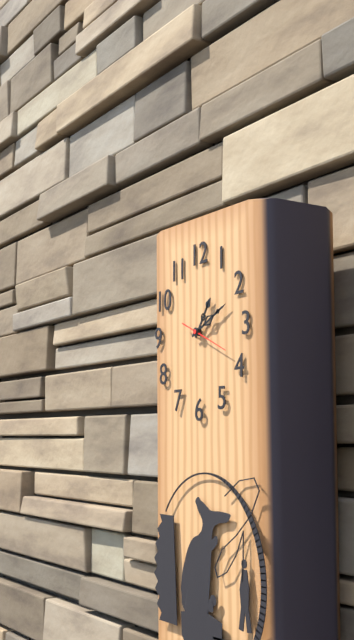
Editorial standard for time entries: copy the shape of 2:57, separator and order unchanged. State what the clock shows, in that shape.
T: 1:11
